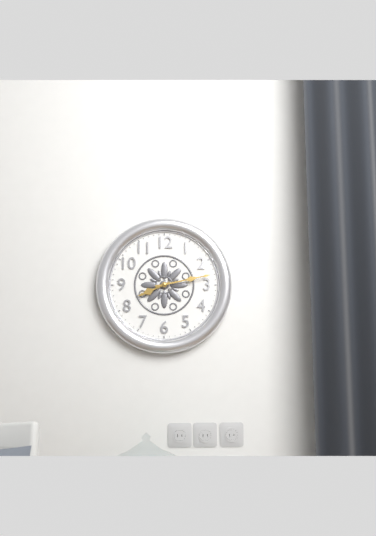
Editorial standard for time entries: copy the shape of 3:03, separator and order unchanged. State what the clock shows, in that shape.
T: 8:13
